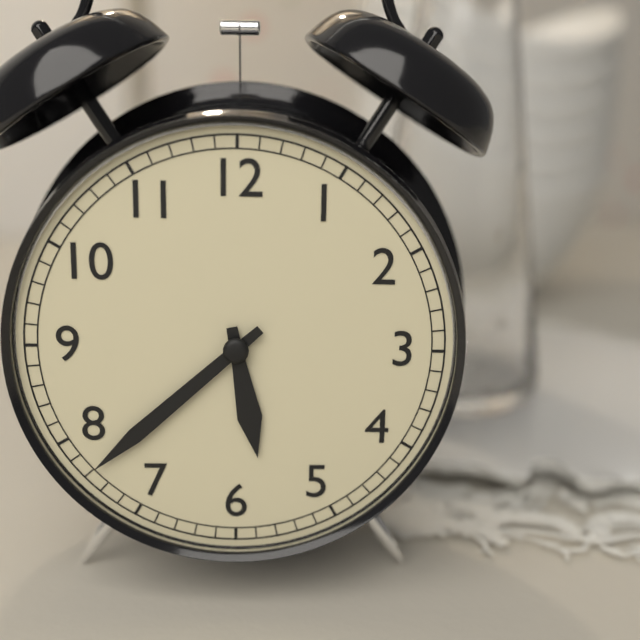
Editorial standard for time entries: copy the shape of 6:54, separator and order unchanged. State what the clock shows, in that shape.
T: 5:38
